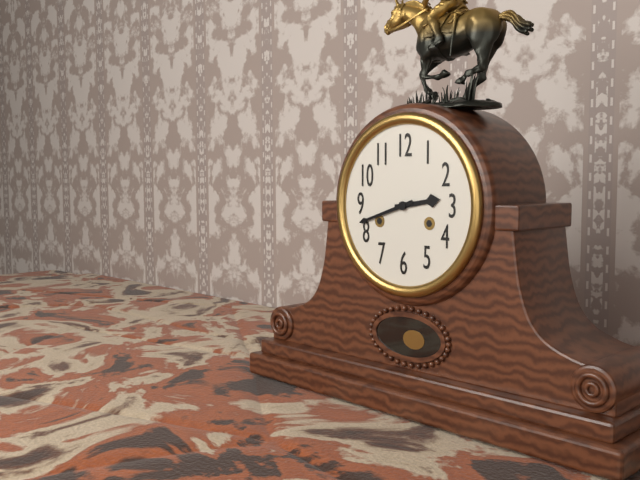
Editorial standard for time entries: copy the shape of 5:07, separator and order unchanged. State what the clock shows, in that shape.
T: 2:42
